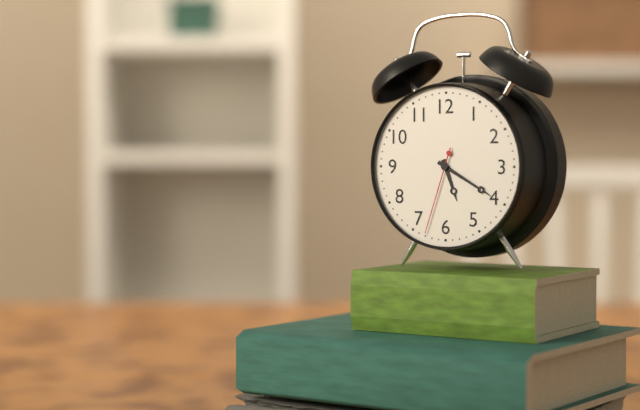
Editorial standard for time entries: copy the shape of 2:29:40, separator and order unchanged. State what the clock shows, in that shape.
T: 5:20:33
